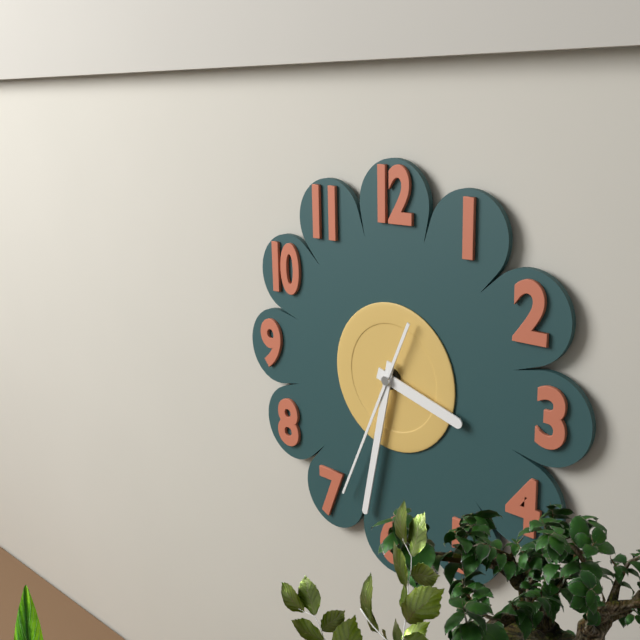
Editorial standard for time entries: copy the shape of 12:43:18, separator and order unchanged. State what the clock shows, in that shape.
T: 3:32:34
